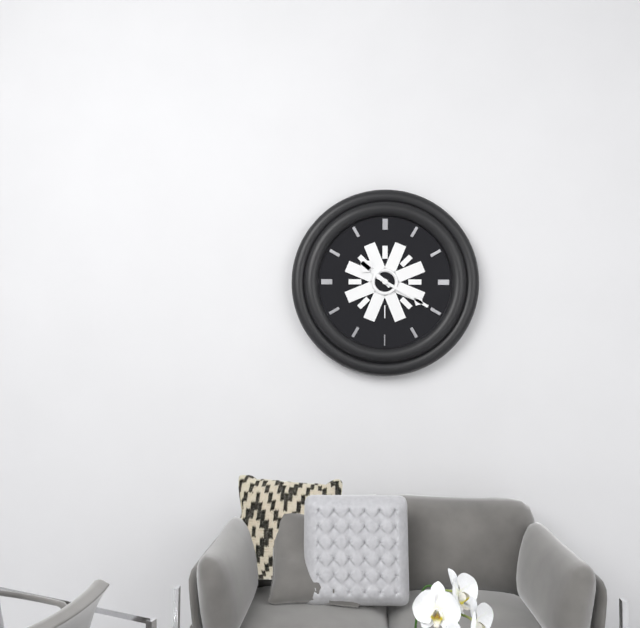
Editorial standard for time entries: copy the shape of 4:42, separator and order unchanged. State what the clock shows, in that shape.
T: 10:20
